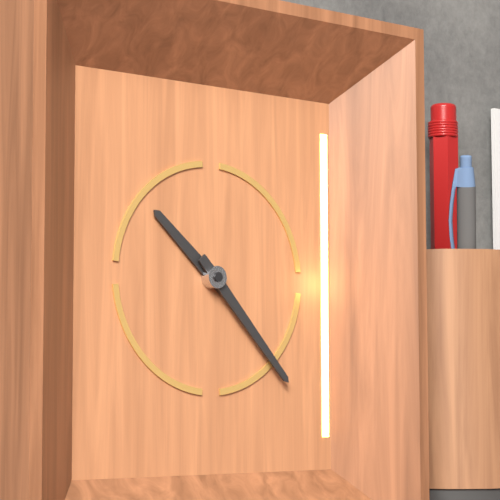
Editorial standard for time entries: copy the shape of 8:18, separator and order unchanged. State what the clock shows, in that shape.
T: 10:23
